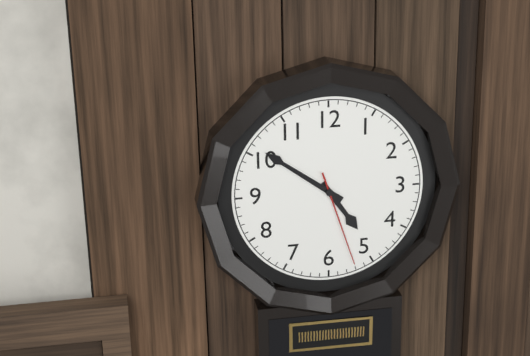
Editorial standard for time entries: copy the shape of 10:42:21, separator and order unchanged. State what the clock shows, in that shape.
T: 4:51:27
